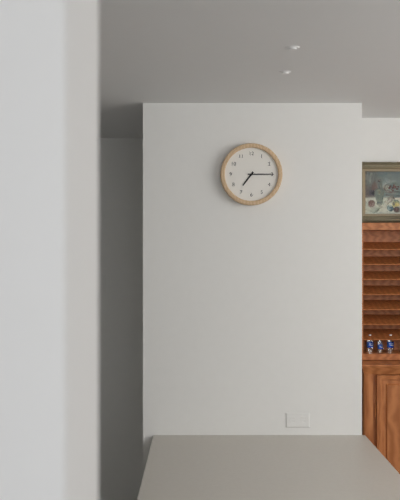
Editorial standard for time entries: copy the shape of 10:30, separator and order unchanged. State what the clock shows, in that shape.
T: 7:15
